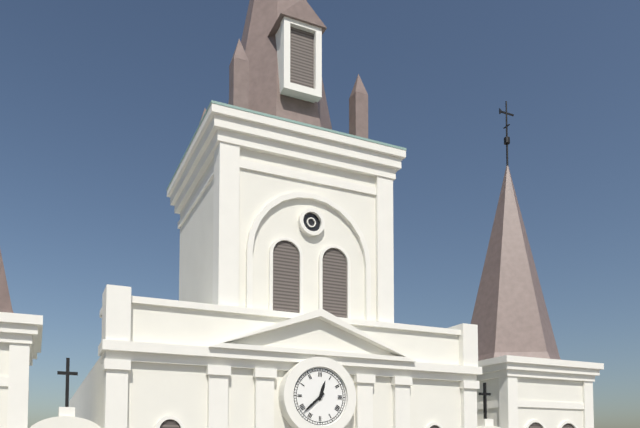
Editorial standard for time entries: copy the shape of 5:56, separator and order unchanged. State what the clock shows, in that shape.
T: 12:38
